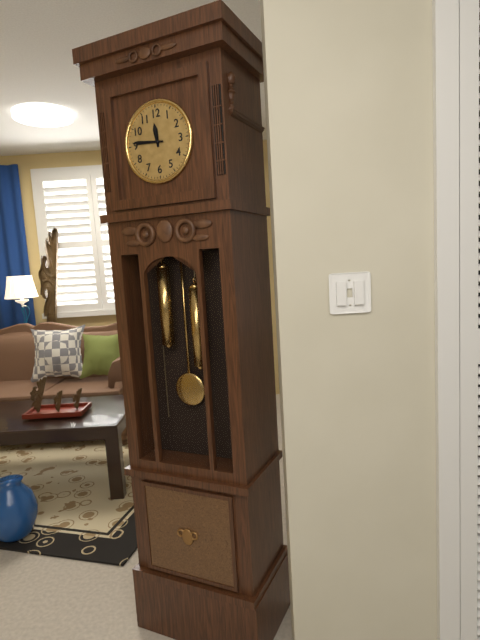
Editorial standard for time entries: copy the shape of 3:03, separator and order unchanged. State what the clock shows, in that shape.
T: 11:46
